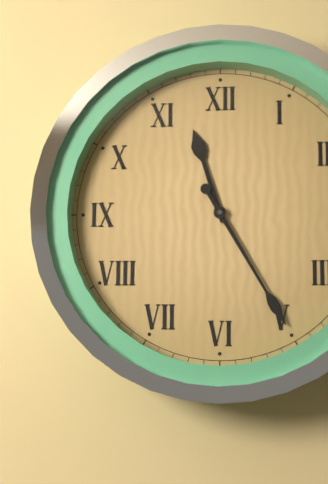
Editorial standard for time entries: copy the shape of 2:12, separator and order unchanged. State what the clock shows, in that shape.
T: 11:25
